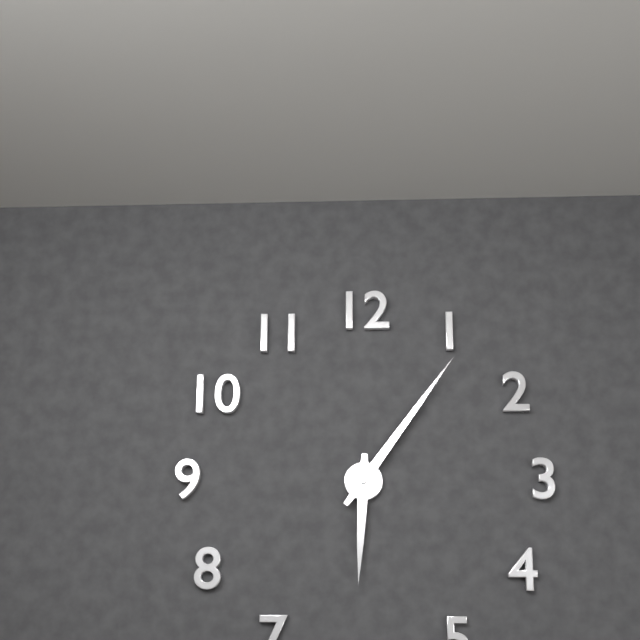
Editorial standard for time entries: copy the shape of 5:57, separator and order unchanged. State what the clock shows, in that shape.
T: 6:06
